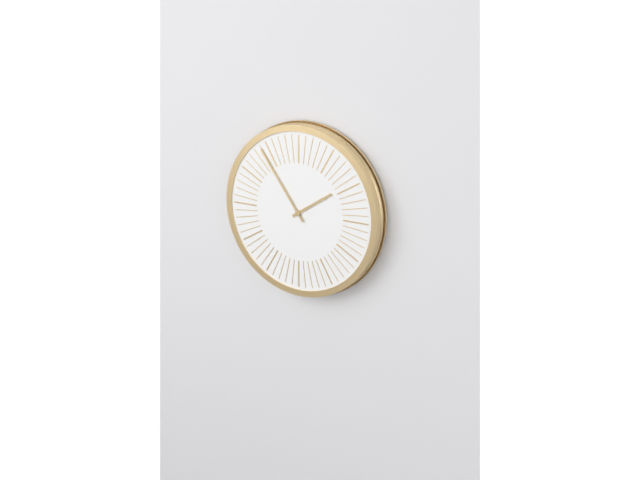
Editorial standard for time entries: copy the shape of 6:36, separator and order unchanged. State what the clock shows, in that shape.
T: 1:54
